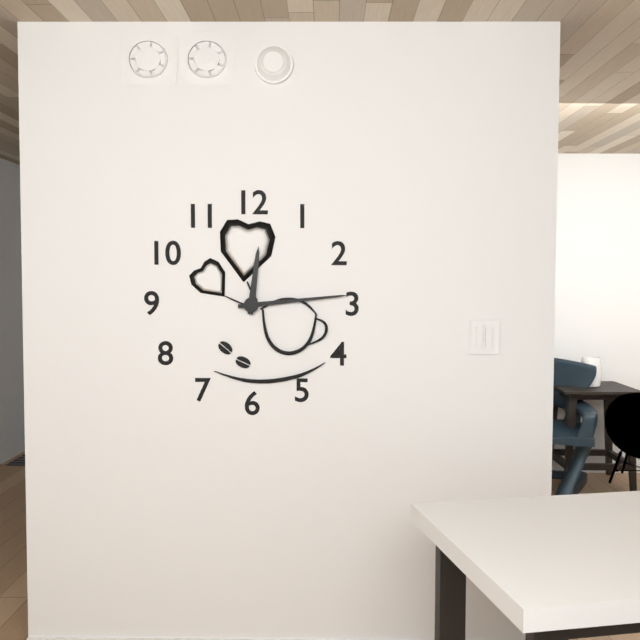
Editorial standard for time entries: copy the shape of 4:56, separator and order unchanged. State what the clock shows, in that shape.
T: 12:14
